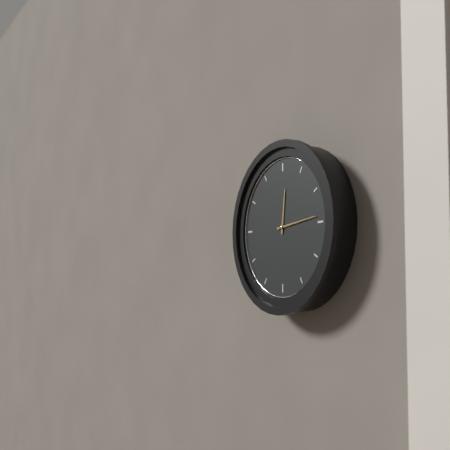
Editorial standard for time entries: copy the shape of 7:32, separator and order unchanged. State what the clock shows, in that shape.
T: 12:14
